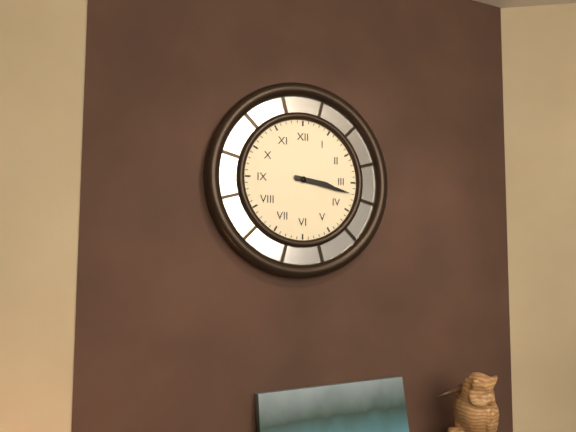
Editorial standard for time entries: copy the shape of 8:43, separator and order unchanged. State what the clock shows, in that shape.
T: 3:17
